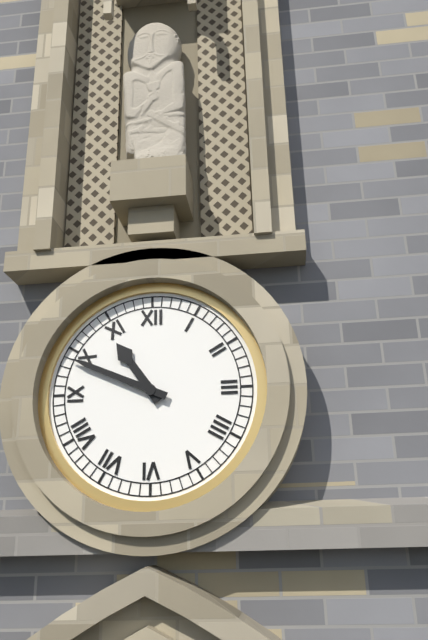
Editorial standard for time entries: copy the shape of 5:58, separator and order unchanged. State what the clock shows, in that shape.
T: 10:49
